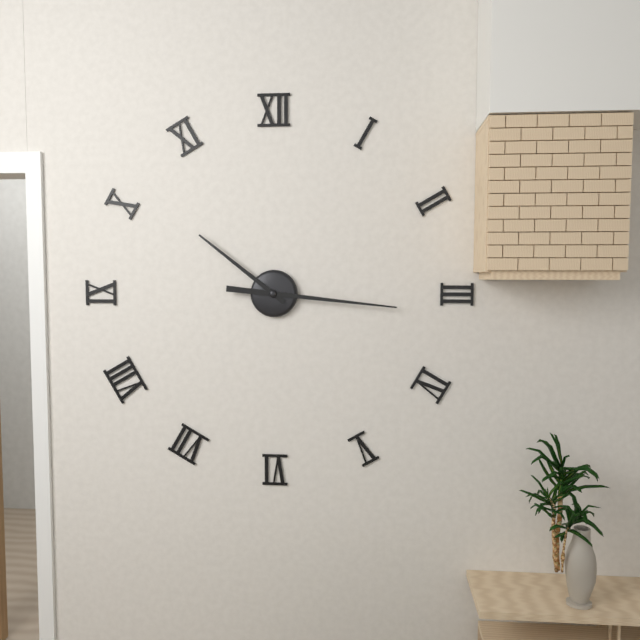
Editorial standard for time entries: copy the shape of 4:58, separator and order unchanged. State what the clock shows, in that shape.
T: 10:16
